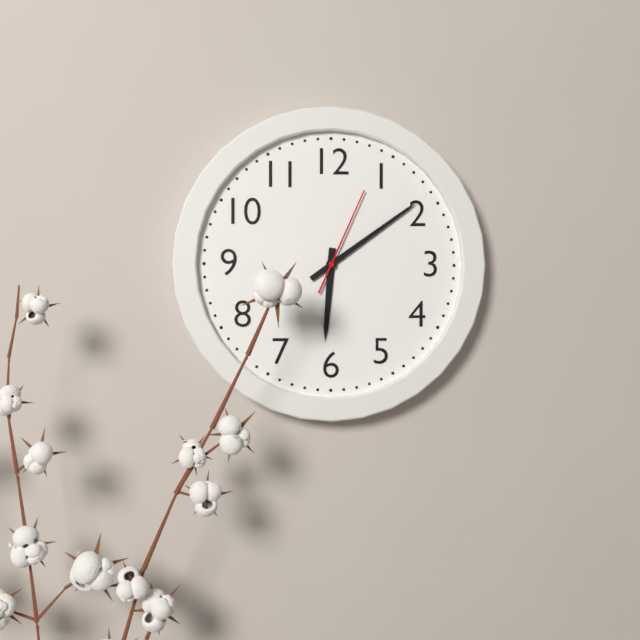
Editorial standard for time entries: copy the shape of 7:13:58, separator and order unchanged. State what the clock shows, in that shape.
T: 6:09:04
